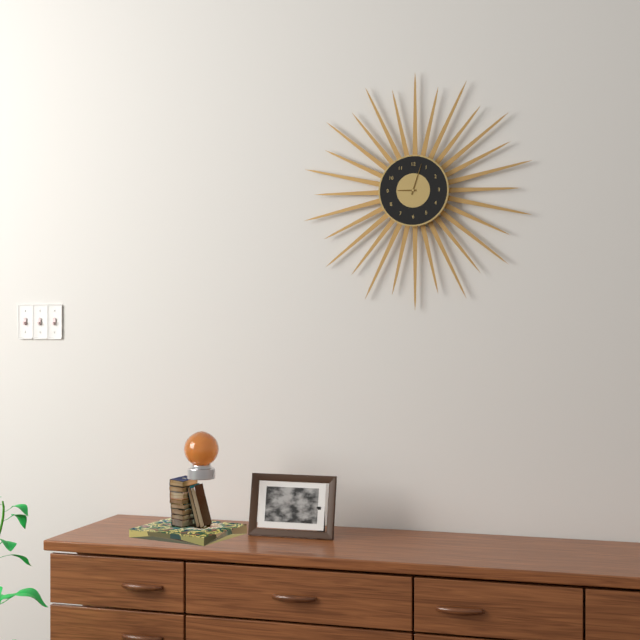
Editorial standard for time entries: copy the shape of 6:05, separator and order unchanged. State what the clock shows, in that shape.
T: 9:03
